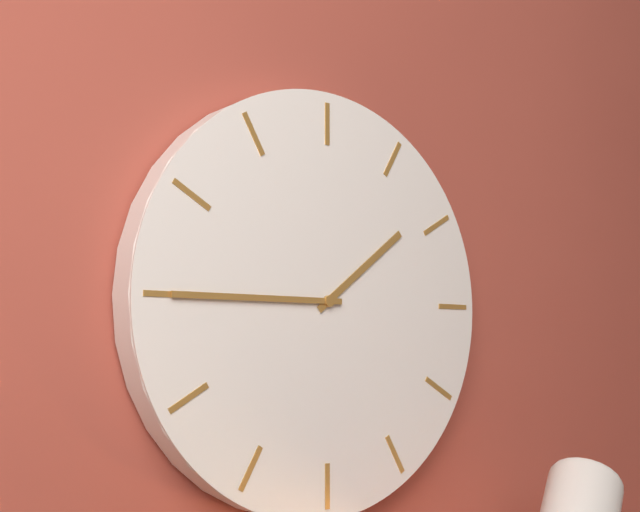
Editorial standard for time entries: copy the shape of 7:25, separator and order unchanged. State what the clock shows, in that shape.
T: 1:45
